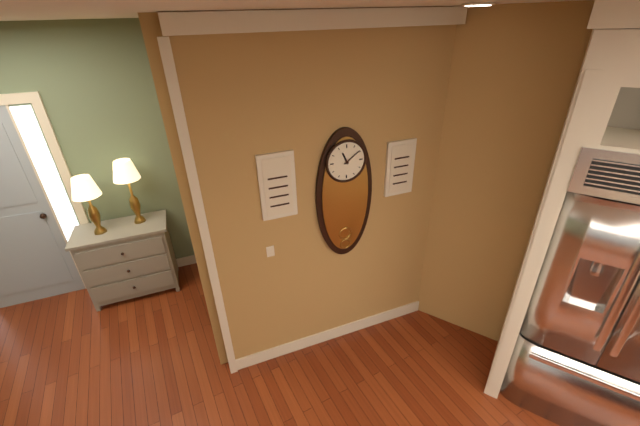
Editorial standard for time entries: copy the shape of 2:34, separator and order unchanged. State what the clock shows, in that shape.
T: 11:09
